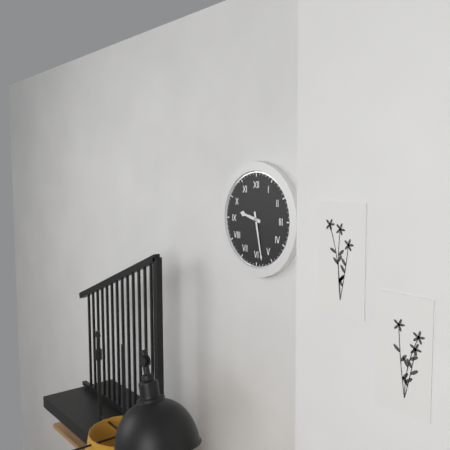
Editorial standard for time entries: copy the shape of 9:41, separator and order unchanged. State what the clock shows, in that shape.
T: 9:28
